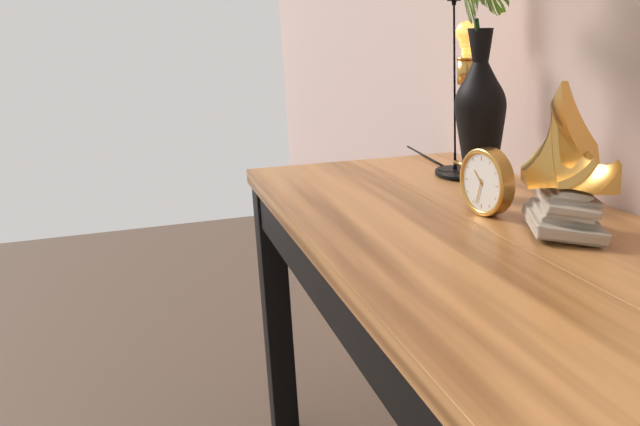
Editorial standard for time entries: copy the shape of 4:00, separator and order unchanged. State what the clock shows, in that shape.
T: 10:33
